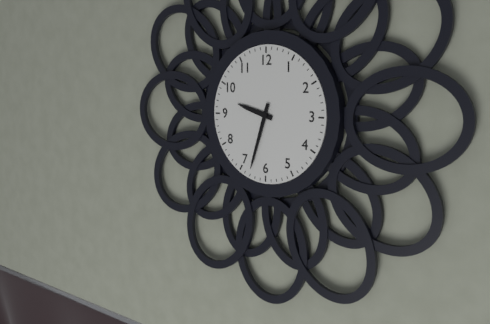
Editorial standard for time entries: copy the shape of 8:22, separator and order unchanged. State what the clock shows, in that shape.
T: 9:33
